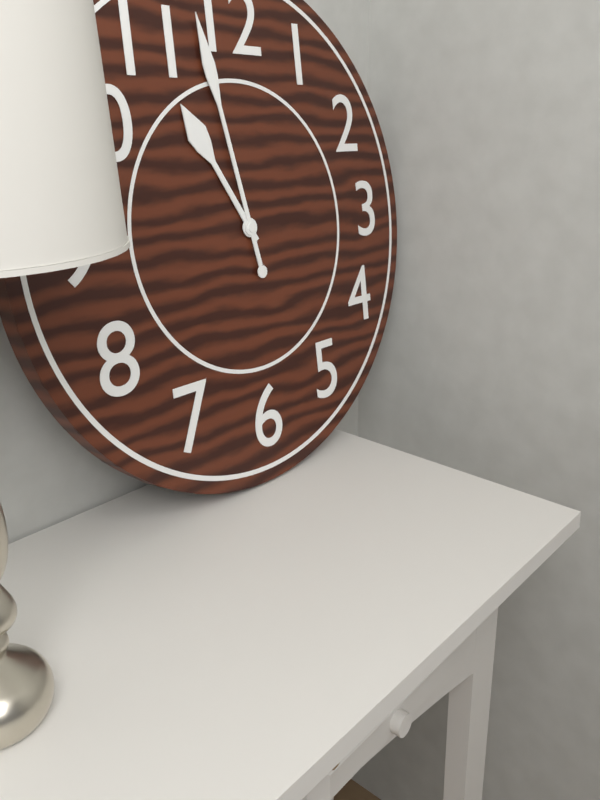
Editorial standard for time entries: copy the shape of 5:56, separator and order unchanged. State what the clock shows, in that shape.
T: 10:58
